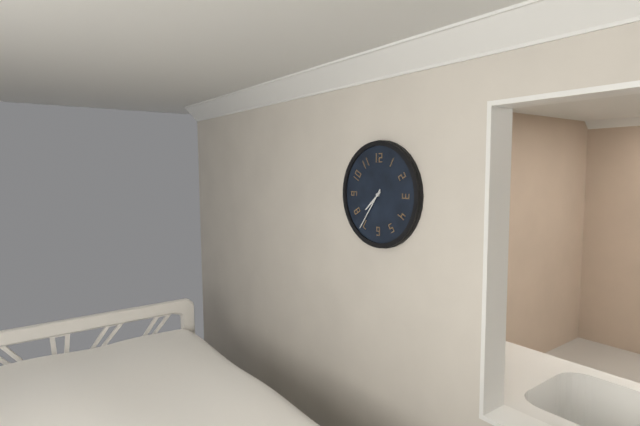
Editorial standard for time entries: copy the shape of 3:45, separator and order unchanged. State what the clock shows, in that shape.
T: 7:36
